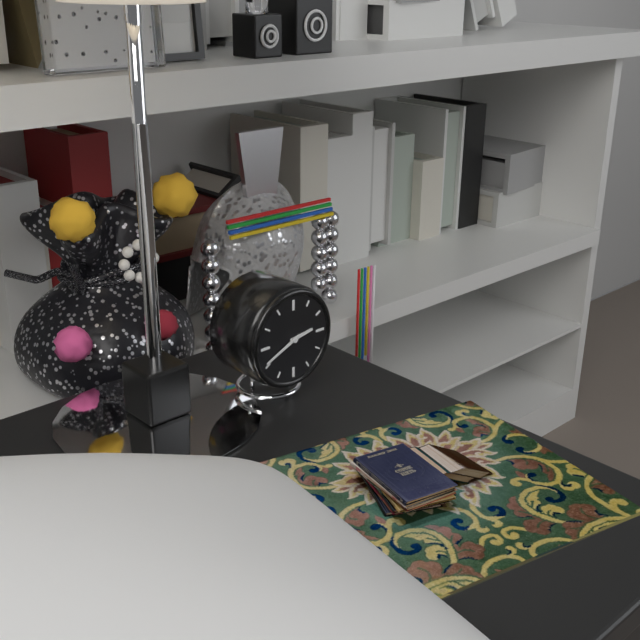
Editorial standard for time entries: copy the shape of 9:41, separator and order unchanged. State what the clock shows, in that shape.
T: 2:41
